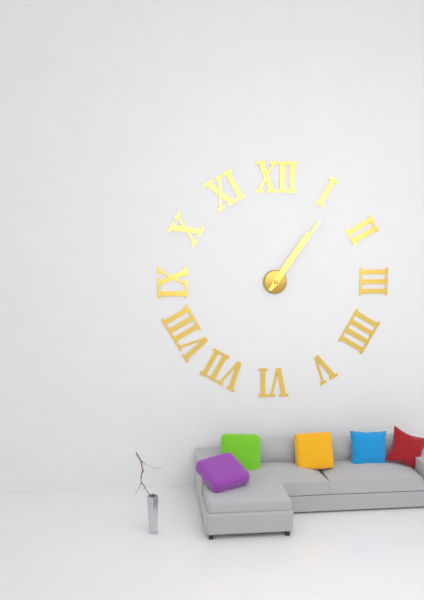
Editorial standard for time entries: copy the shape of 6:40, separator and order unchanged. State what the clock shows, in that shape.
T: 1:06
